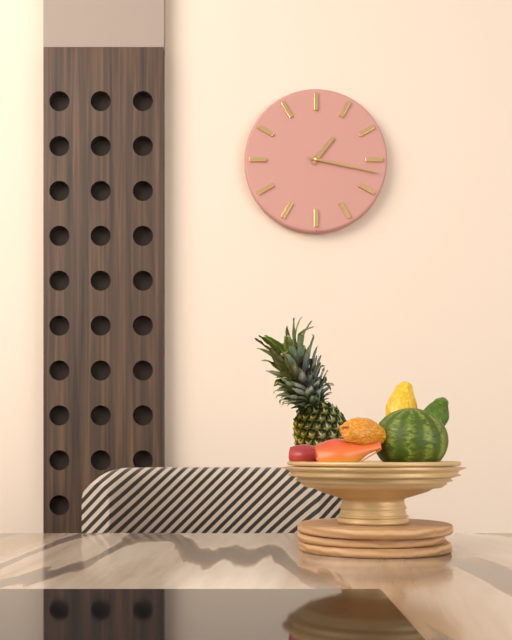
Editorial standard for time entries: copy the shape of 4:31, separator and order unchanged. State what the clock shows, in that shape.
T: 1:17
